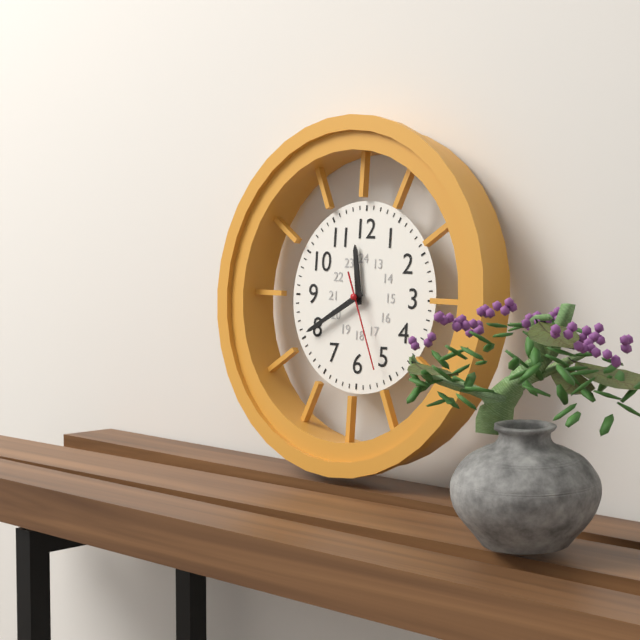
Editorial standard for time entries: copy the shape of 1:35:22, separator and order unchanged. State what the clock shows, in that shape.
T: 11:40:26
